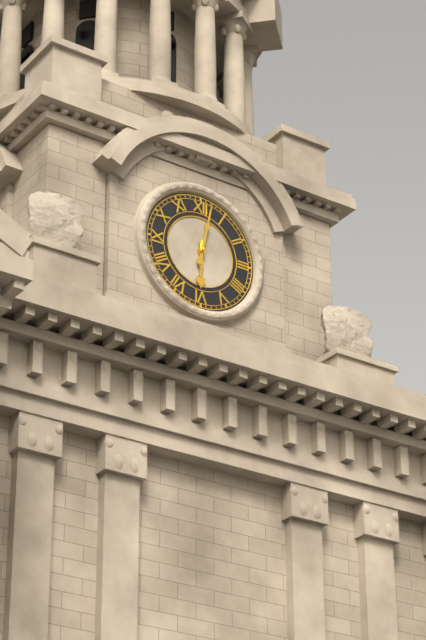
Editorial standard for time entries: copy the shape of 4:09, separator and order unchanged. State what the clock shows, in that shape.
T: 6:02
